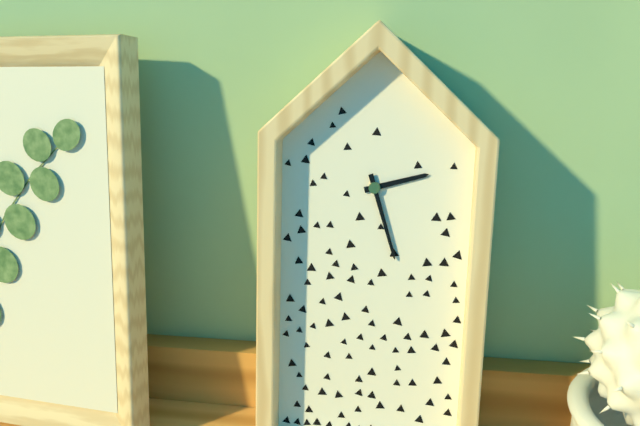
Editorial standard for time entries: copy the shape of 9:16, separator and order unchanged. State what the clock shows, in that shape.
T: 2:27
